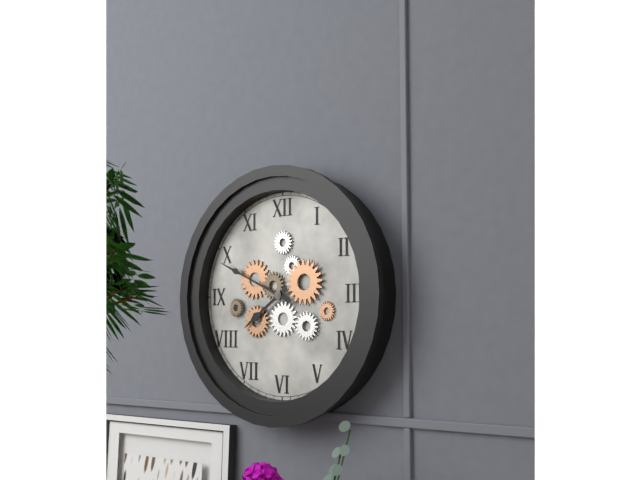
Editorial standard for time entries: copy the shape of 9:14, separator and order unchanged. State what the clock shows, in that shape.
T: 7:49
